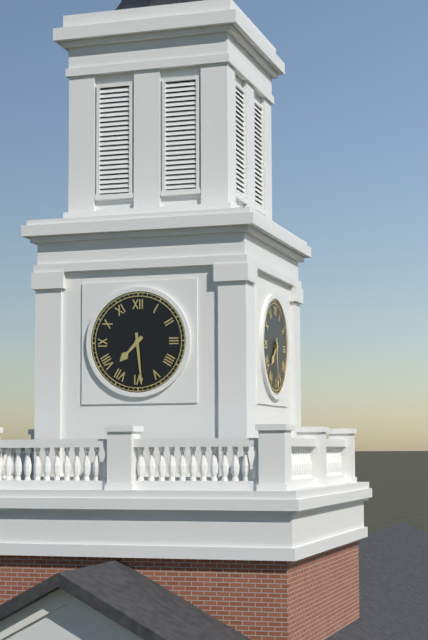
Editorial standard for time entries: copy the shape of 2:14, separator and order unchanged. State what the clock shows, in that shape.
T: 7:29
